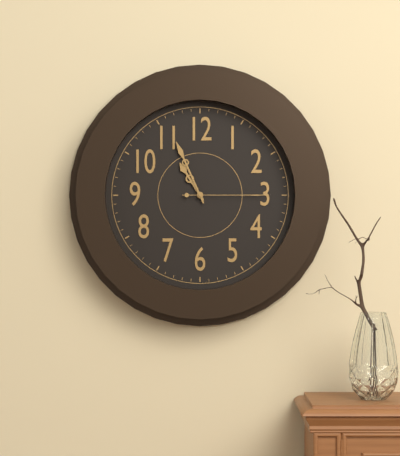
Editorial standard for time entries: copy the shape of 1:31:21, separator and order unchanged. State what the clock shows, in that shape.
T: 10:56:15
